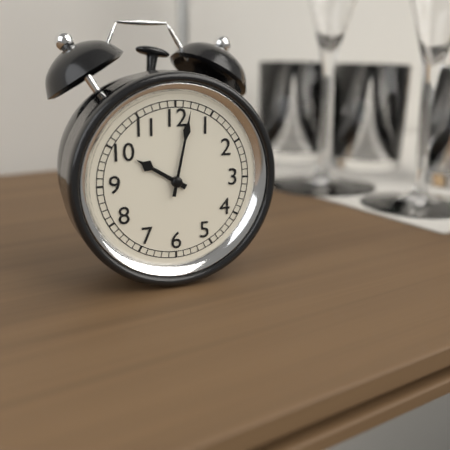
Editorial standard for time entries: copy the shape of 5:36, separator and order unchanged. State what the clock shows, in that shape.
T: 10:02
